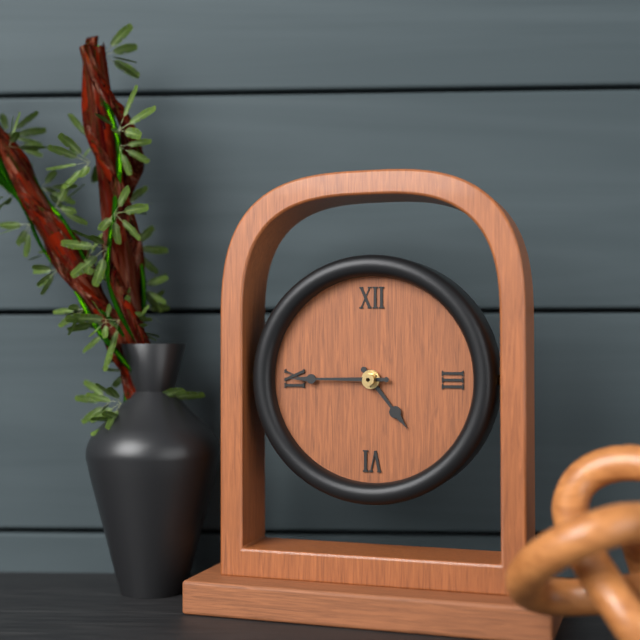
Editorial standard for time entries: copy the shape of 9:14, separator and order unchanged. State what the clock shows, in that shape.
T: 4:45
